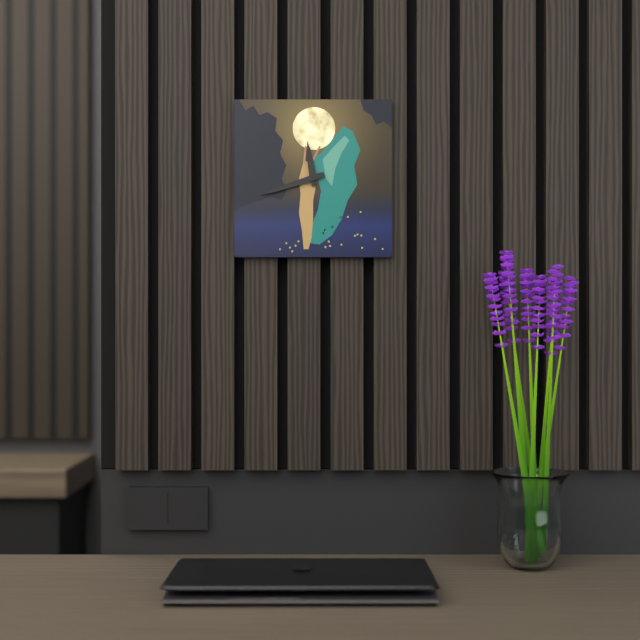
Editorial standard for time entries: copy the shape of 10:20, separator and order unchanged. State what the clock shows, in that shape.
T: 11:42
